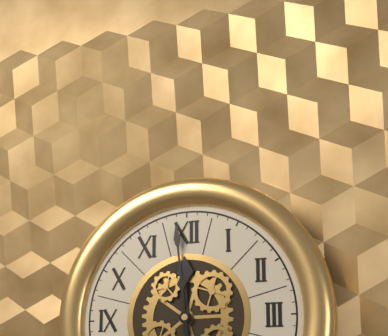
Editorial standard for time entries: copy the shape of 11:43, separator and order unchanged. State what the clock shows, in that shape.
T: 11:59
